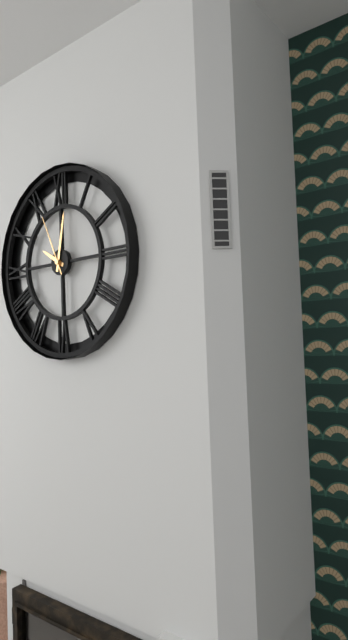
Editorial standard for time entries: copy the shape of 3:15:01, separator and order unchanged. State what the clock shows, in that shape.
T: 10:02:56
